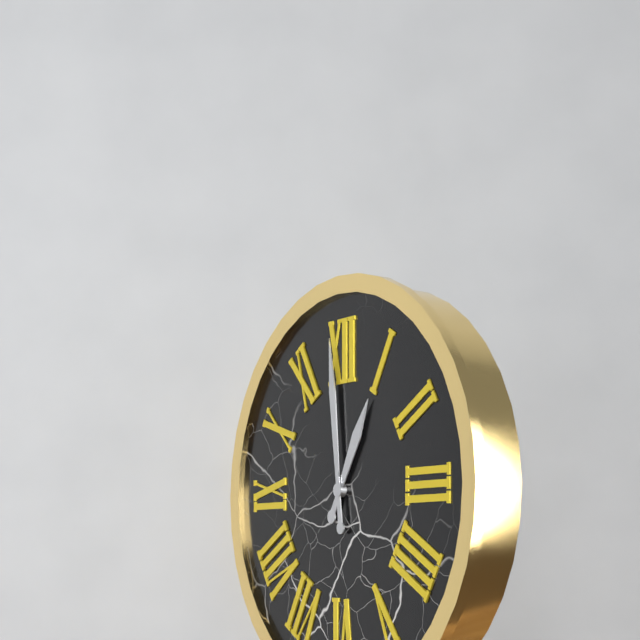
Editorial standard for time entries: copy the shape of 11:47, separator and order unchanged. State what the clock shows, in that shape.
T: 12:59
